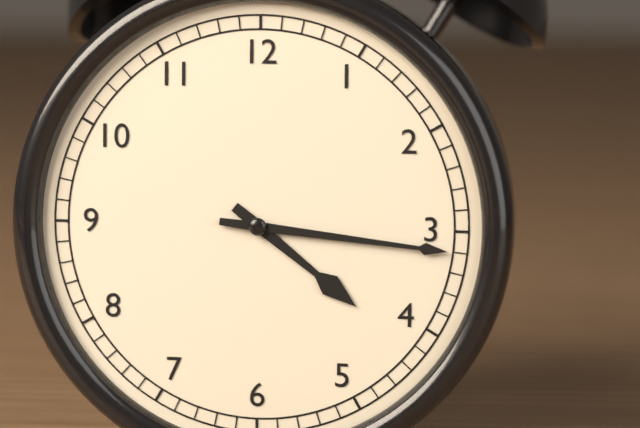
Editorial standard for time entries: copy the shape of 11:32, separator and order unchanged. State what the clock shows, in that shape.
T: 4:16
